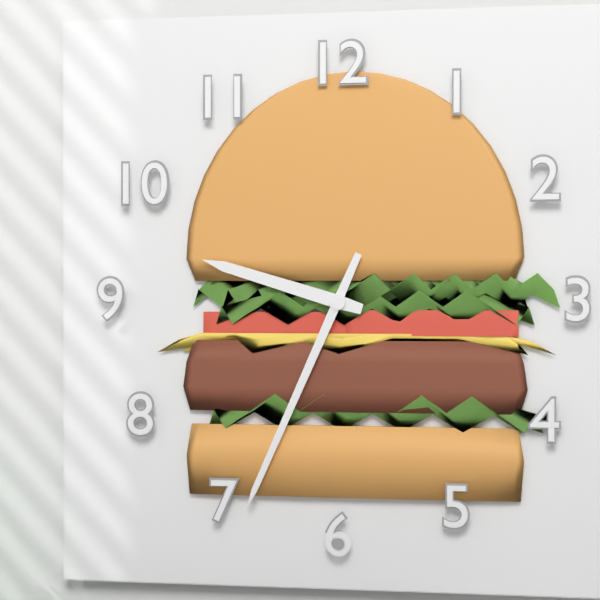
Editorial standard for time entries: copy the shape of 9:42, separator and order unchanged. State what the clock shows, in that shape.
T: 9:34
